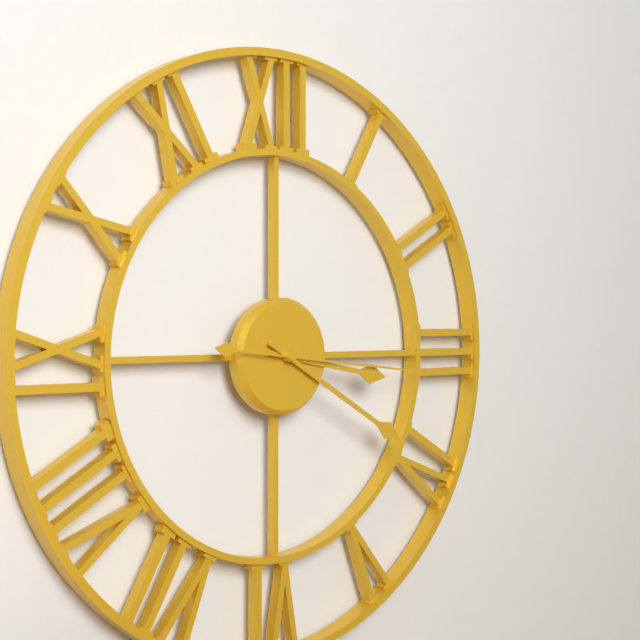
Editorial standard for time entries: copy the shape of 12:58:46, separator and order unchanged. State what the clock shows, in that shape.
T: 3:20:16
